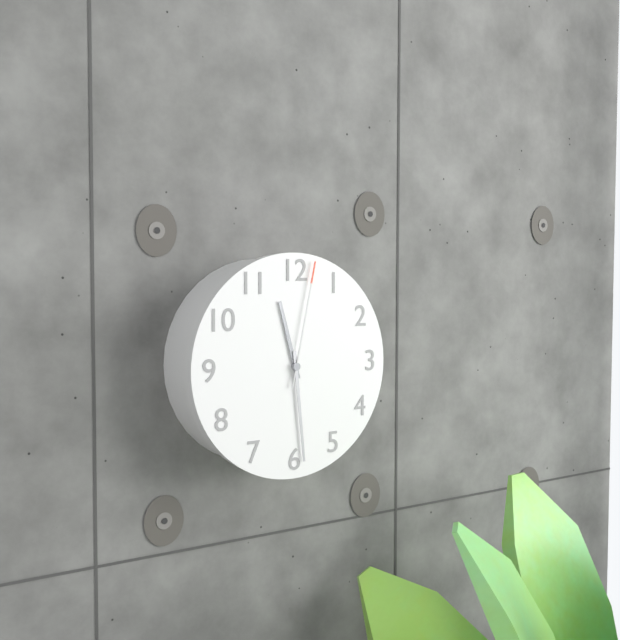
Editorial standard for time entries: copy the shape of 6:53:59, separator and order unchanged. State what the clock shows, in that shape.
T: 11:29:02
